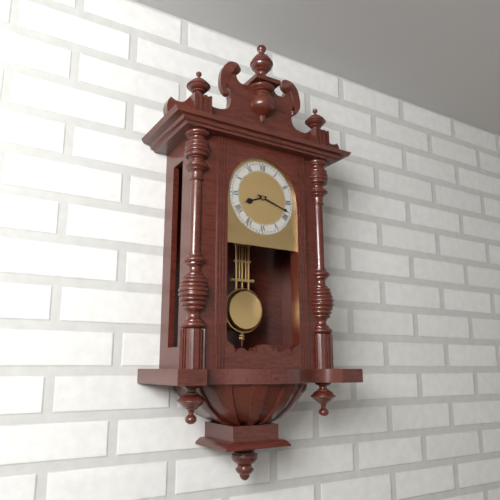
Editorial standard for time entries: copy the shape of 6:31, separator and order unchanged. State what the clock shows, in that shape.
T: 8:18
